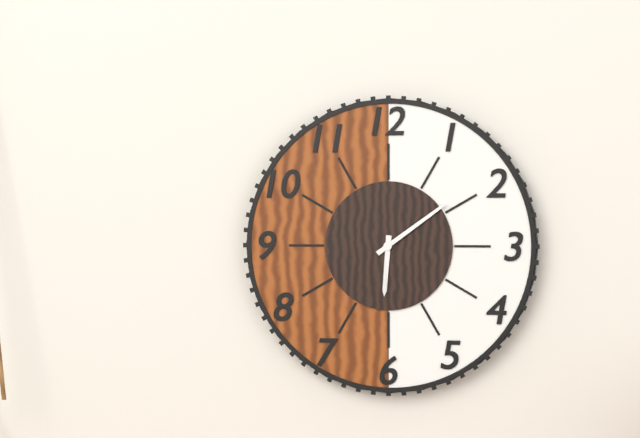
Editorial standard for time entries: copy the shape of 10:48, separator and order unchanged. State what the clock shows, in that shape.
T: 6:09
